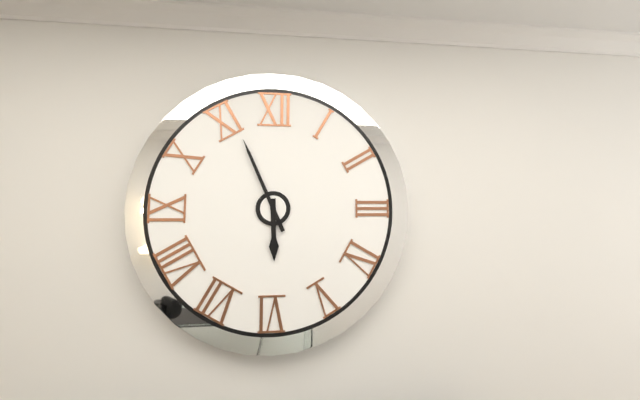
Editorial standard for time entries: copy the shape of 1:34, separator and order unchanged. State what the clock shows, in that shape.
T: 5:56
